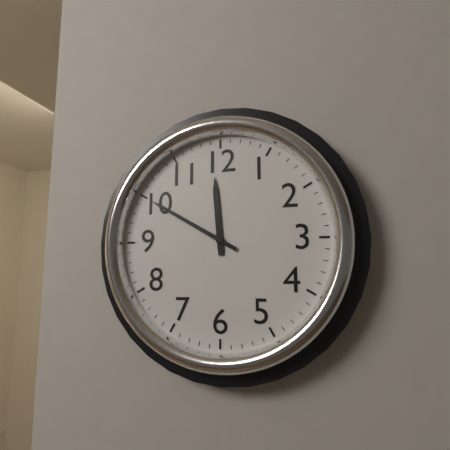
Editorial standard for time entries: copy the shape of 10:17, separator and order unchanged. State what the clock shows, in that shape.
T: 11:50
